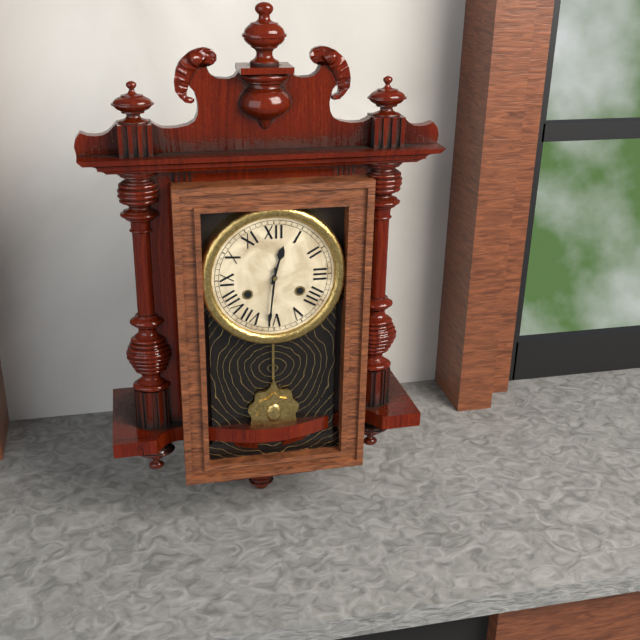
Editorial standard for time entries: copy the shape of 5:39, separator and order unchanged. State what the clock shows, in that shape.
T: 12:31
